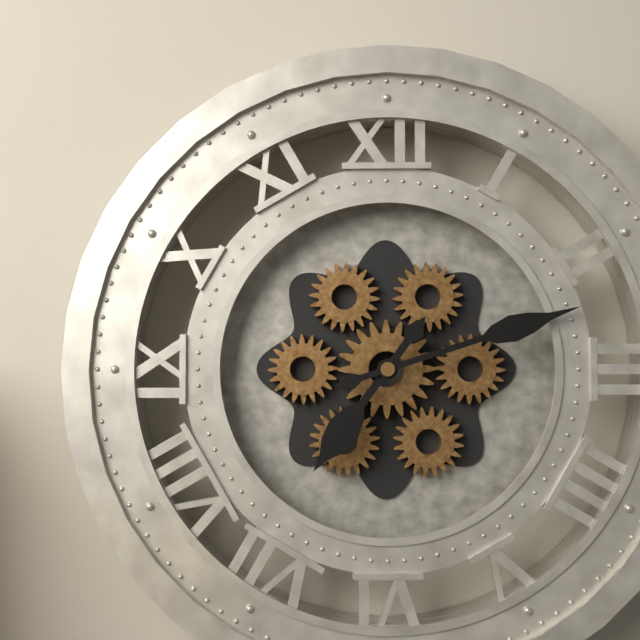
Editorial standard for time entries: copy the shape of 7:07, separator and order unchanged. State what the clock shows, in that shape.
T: 7:12
